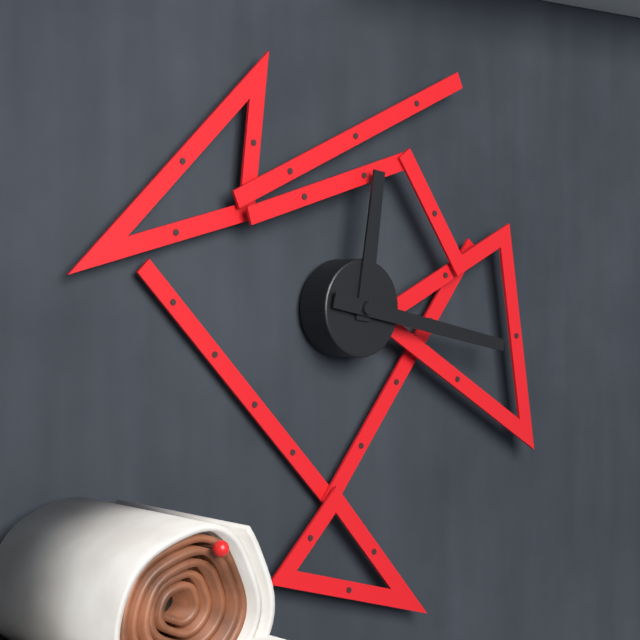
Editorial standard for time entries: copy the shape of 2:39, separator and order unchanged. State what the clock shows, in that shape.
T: 12:17
